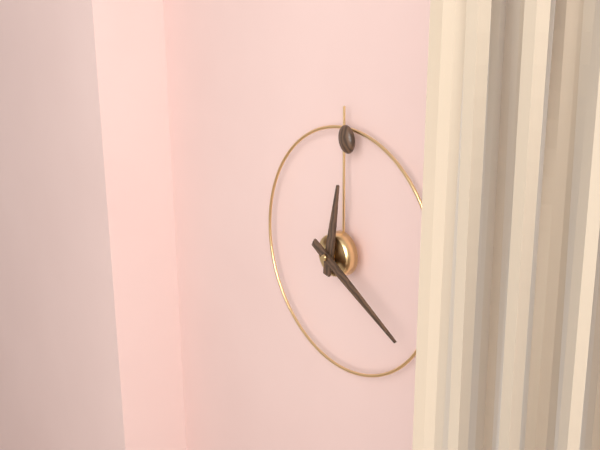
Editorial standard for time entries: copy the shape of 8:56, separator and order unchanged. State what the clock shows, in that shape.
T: 12:20
